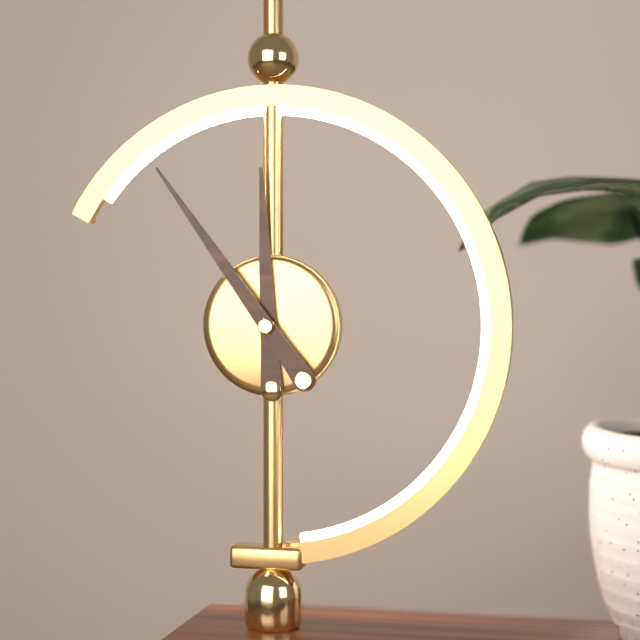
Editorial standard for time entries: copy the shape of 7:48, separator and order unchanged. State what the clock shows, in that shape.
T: 11:54
